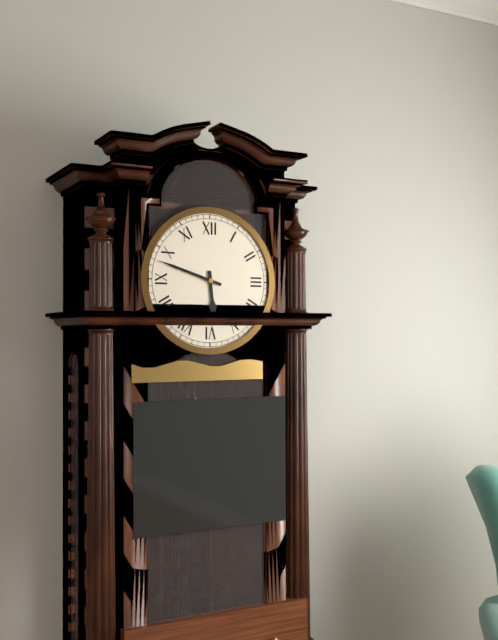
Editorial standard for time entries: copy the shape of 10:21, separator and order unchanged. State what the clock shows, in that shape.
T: 5:48
